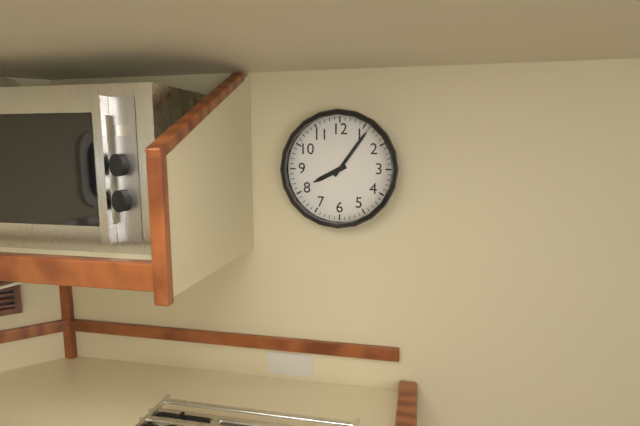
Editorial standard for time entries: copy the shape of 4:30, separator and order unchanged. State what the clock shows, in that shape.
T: 8:06
